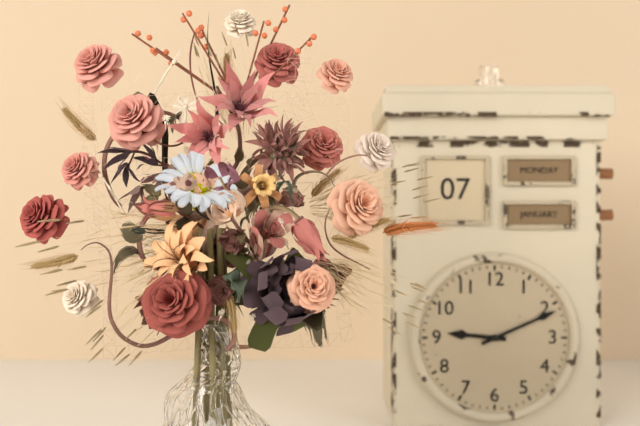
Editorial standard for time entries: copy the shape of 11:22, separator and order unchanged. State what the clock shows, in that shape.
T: 9:11
